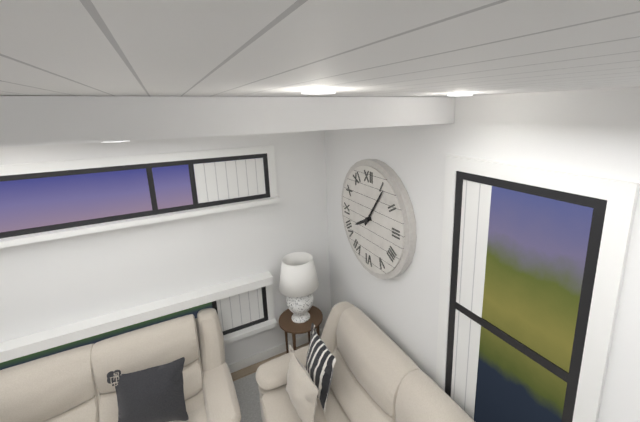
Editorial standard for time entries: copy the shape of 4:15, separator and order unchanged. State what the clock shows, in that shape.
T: 8:06
